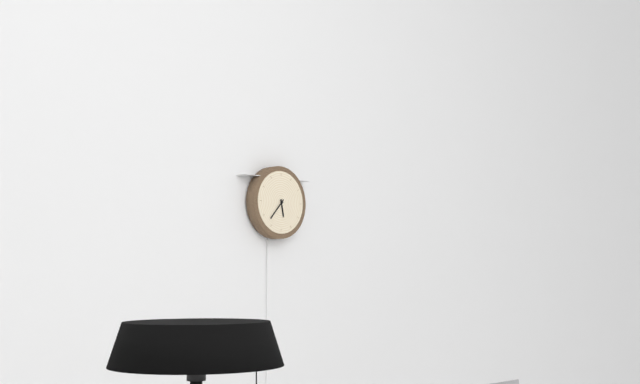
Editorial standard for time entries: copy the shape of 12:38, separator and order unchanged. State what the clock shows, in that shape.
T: 5:37
